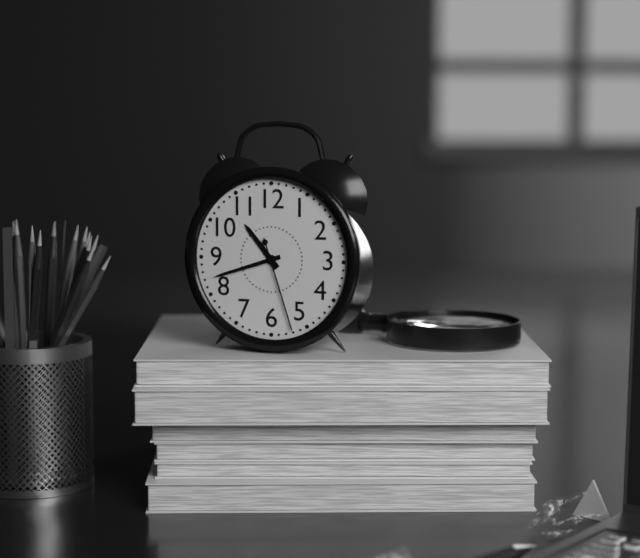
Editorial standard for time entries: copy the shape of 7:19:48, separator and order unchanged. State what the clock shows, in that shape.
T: 10:42:27
